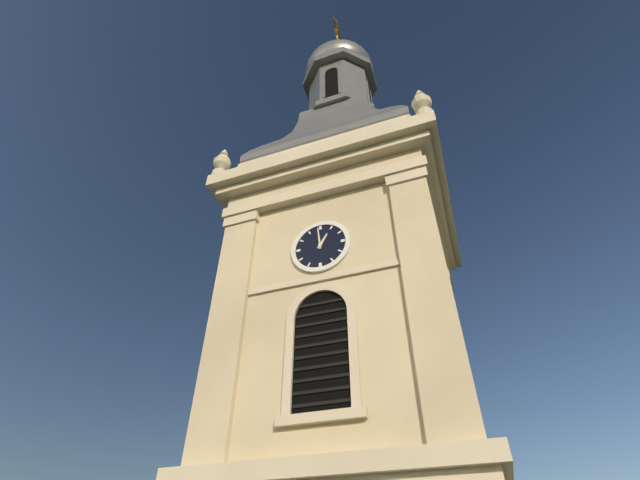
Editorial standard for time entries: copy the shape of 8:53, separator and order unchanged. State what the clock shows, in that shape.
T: 12:59
